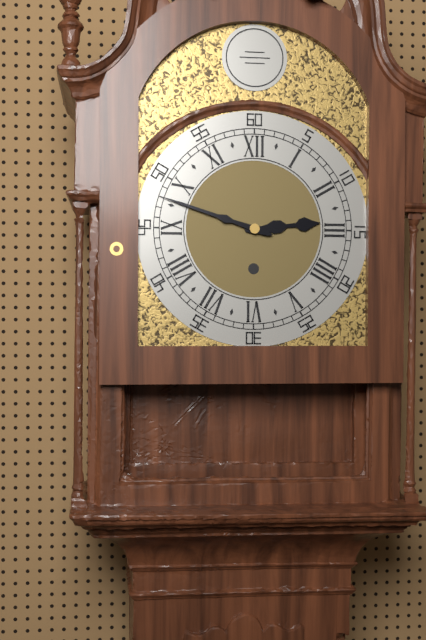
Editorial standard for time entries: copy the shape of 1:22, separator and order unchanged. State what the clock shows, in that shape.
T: 2:48
